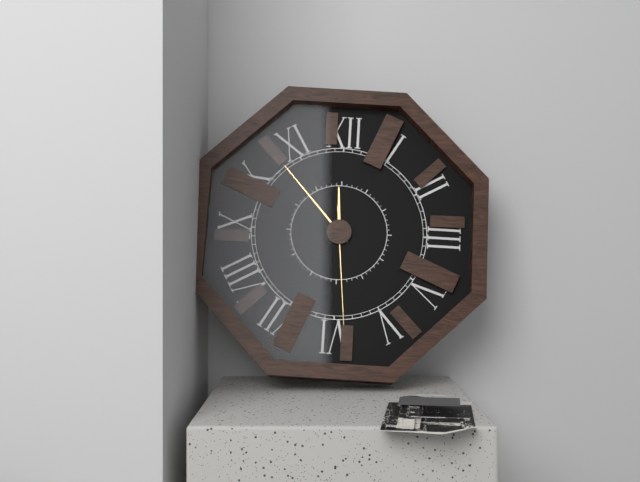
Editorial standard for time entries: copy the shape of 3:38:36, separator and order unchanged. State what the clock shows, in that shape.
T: 11:53:29
